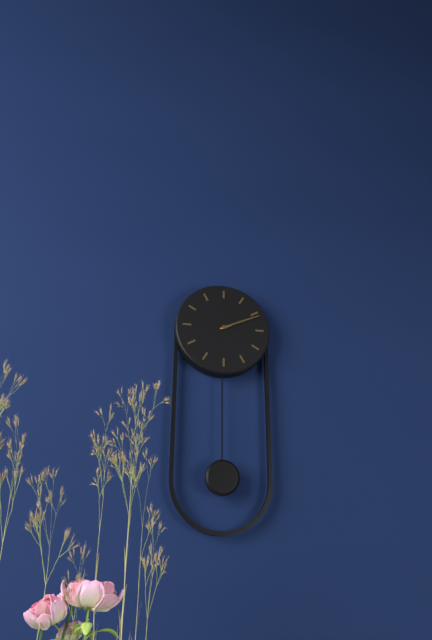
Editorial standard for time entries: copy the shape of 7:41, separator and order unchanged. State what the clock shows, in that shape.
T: 2:11
